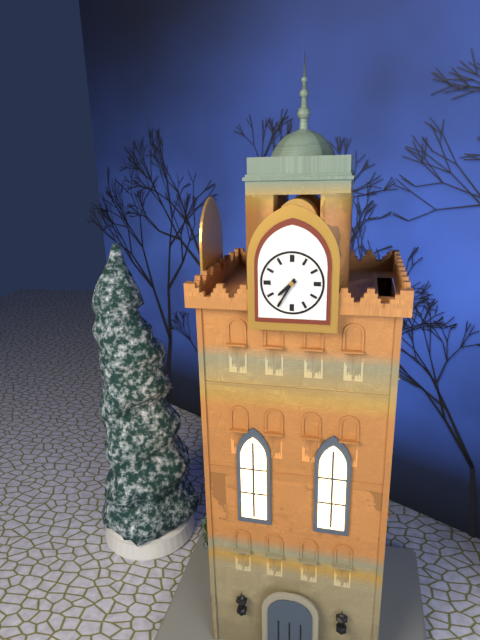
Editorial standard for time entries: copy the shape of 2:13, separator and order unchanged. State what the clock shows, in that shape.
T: 7:35
